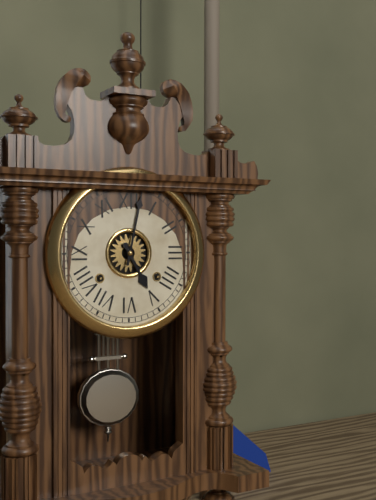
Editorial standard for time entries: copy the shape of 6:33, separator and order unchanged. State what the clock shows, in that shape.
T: 5:02
